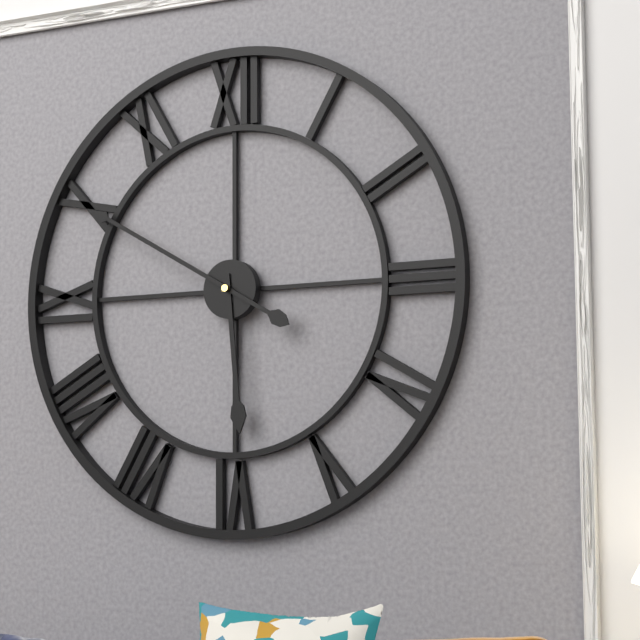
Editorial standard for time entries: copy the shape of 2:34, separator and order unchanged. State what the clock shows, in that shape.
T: 5:50
